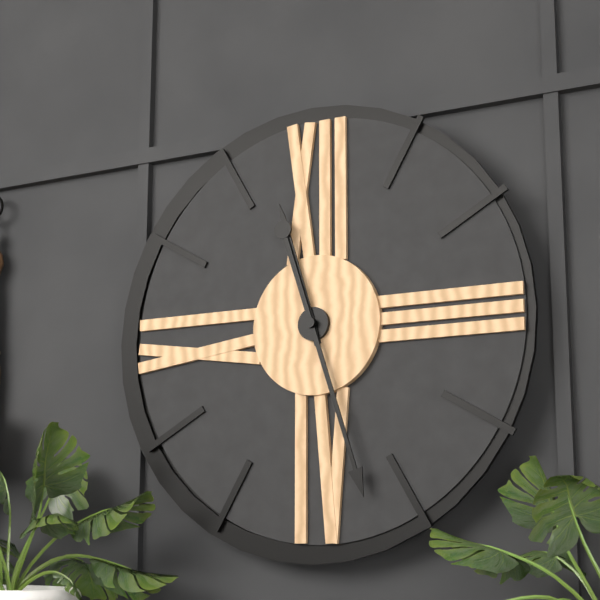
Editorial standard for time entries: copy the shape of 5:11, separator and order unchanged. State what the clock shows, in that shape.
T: 11:27
